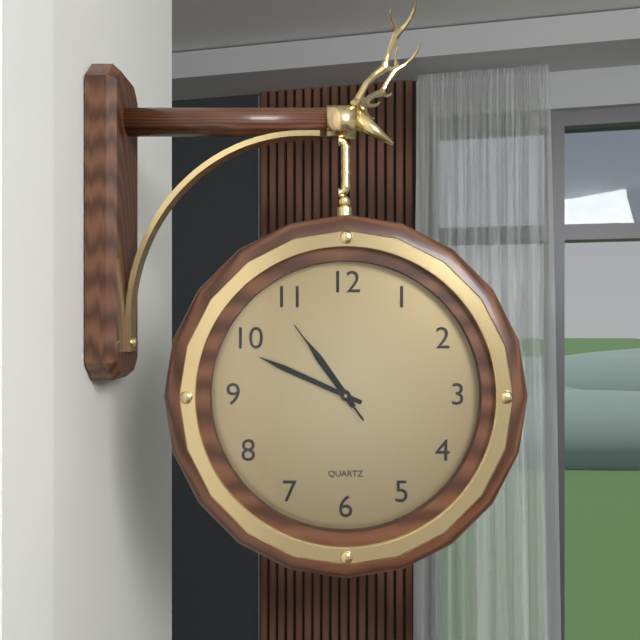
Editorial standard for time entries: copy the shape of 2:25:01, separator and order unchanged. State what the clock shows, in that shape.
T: 10:49:54
